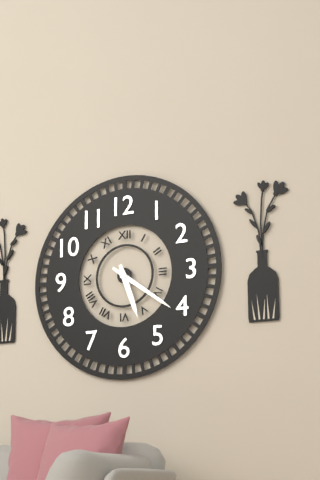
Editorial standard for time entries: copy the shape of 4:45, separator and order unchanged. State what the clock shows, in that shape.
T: 5:21
